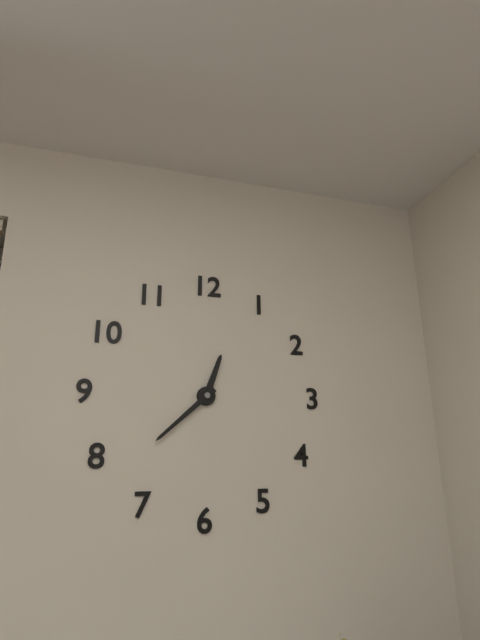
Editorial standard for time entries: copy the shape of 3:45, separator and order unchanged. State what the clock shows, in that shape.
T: 12:38
